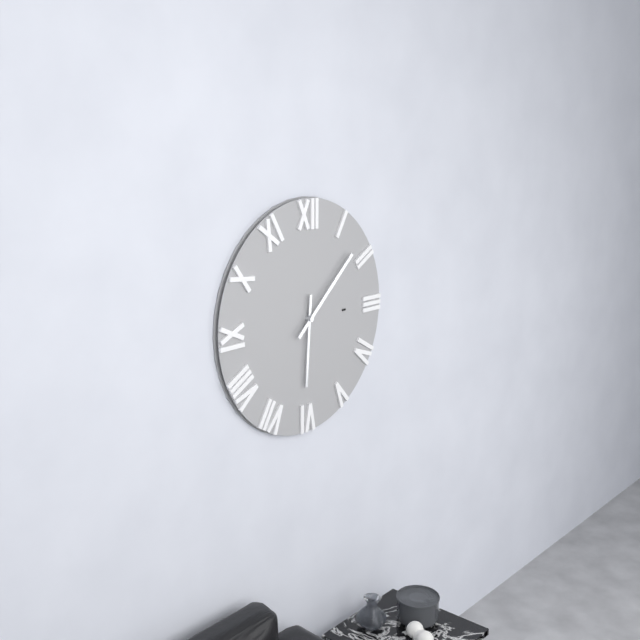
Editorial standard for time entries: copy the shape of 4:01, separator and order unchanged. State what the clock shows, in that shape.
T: 6:08
